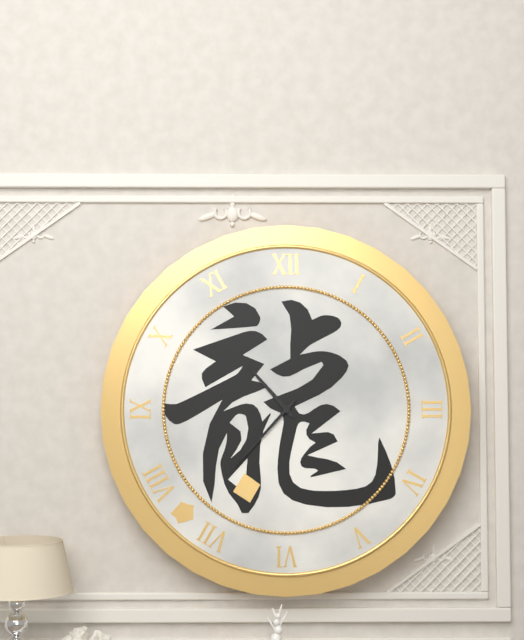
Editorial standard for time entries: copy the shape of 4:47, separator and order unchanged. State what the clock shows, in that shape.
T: 10:37
